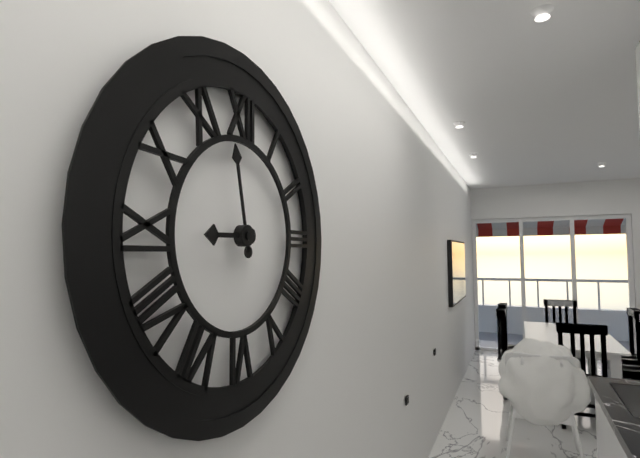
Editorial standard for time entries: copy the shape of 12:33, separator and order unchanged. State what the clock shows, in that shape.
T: 8:58
